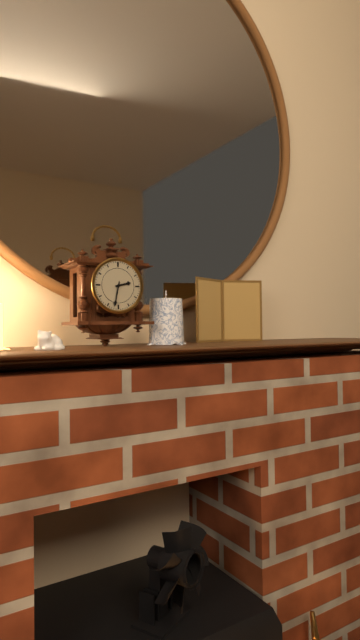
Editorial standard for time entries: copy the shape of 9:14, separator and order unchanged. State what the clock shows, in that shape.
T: 2:32
